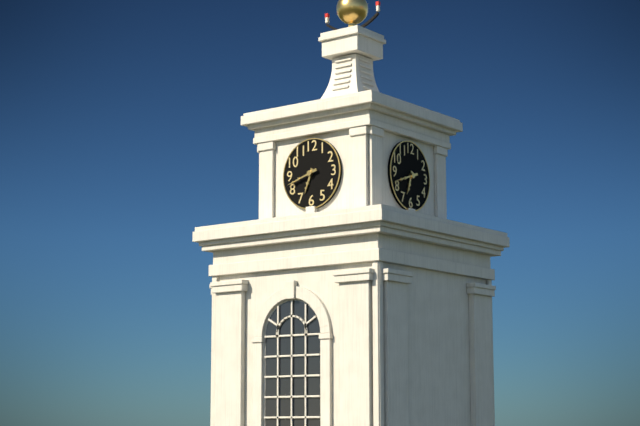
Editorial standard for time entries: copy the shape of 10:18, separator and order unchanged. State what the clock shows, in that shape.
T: 6:42
